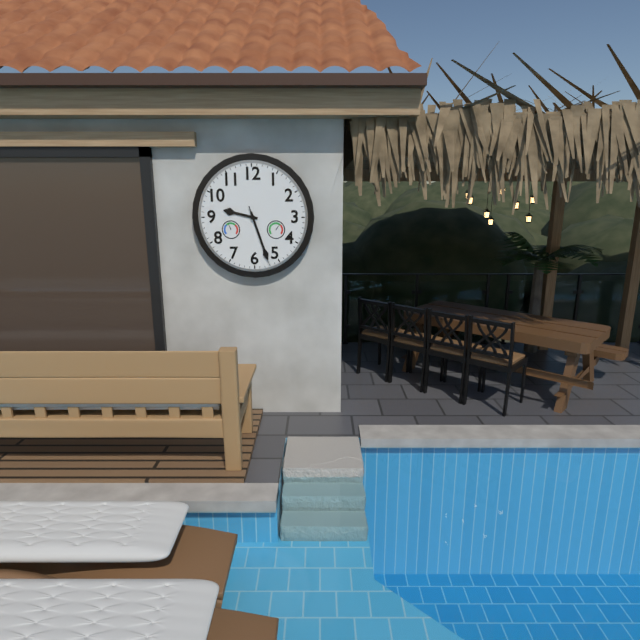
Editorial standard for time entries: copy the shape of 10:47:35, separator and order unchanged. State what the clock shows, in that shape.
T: 9:27:27
